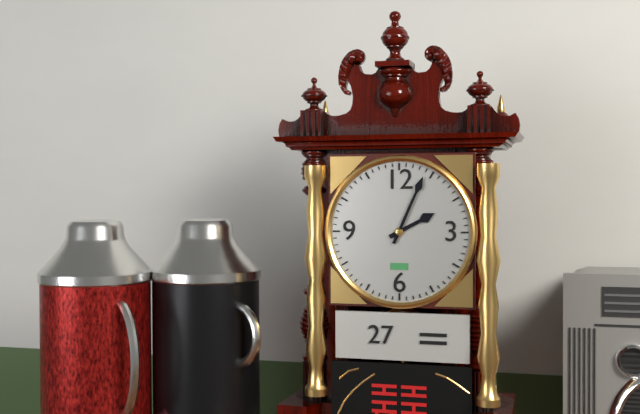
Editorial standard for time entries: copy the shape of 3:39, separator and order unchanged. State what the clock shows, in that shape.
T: 2:04
